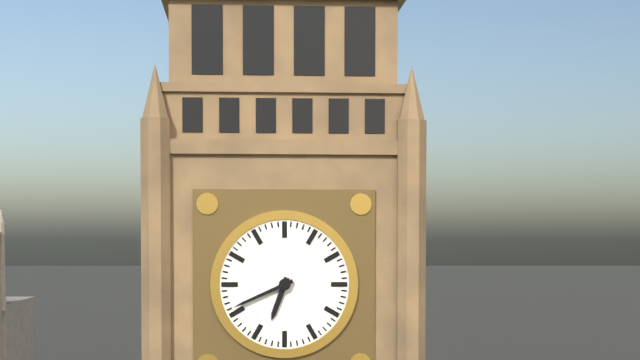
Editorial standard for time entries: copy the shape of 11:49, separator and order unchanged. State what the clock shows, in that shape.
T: 6:41
